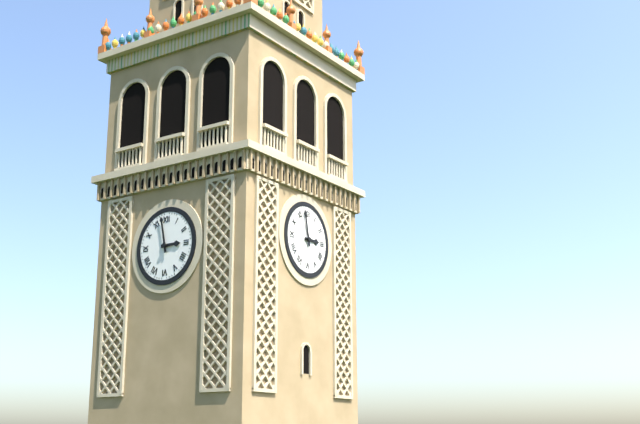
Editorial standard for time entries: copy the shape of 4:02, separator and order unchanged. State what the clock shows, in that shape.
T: 2:58
